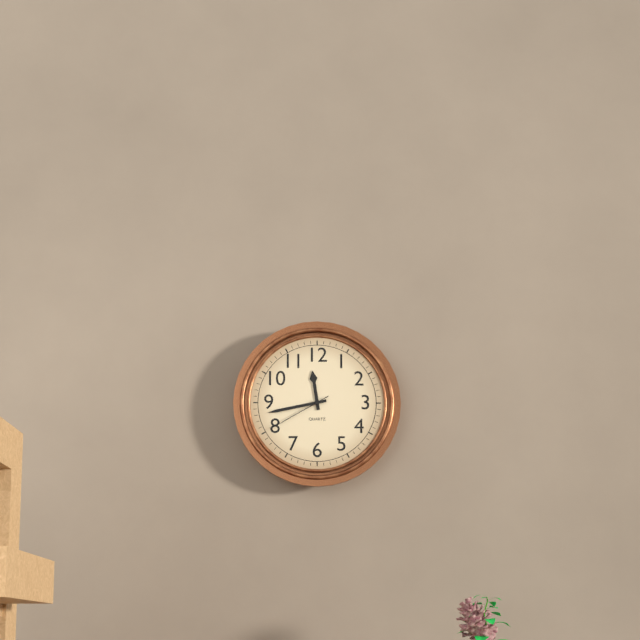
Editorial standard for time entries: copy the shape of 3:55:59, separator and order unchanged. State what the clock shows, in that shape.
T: 11:43:40
